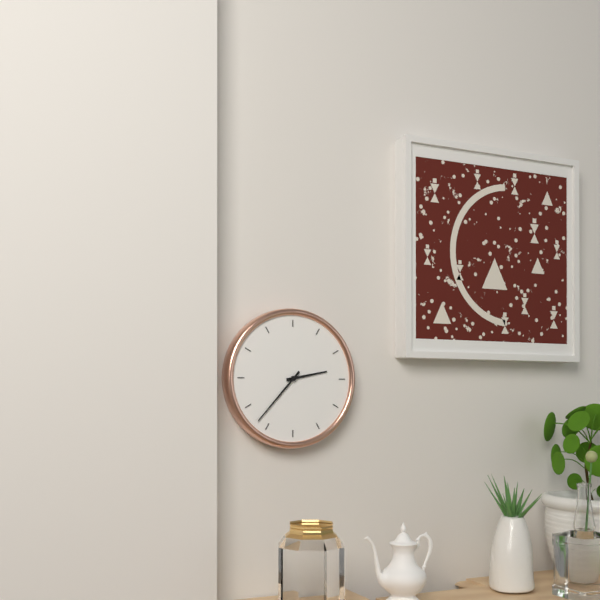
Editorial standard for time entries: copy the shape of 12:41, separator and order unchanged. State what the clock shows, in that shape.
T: 2:37
